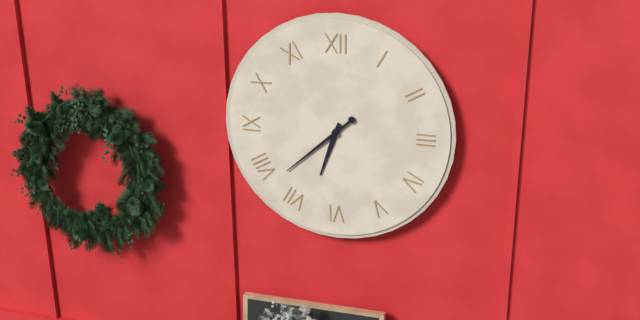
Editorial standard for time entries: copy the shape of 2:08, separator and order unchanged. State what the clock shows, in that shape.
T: 6:38
